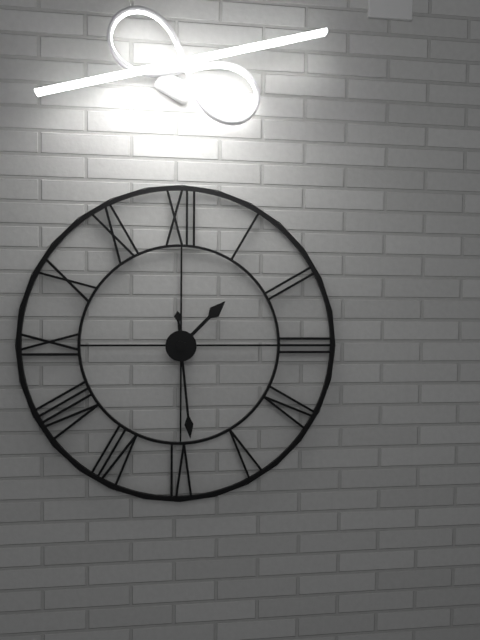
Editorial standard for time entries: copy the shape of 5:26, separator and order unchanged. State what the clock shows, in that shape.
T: 1:29
